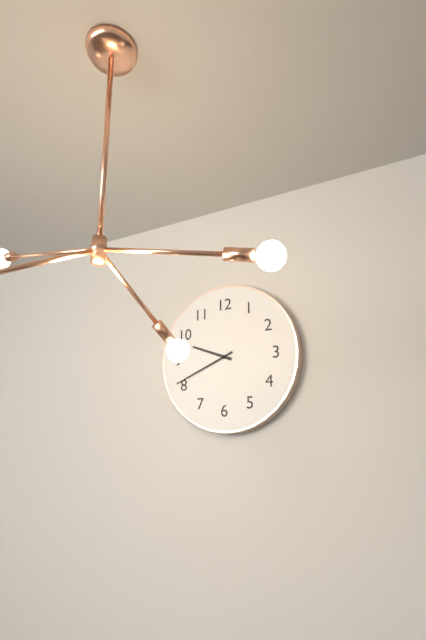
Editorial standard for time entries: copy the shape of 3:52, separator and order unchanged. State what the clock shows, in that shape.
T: 9:41
